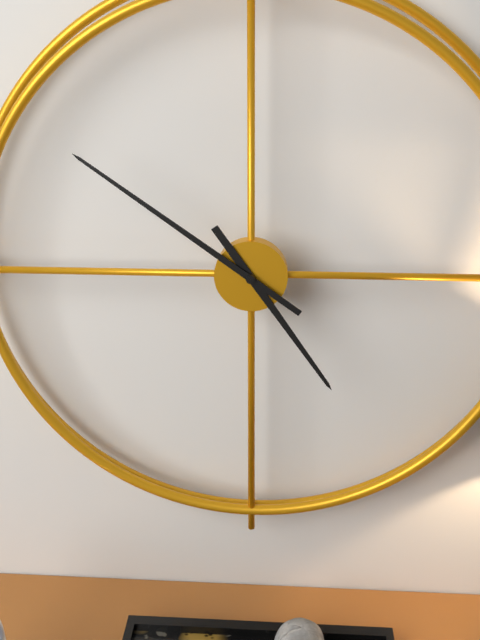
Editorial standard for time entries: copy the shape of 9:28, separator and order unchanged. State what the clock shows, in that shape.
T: 4:51
